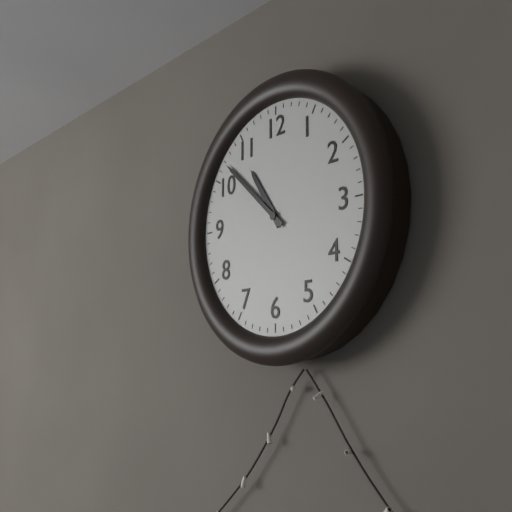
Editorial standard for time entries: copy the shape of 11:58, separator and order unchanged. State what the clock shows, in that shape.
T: 10:52
